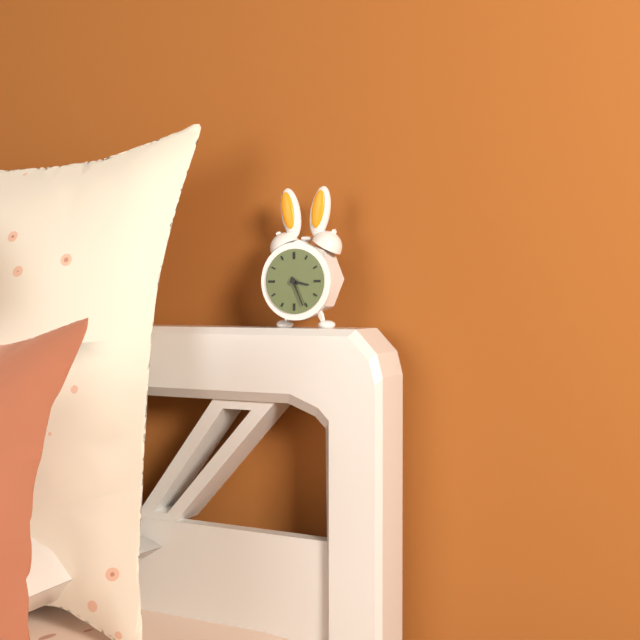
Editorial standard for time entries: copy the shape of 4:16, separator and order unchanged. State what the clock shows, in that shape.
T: 3:26
